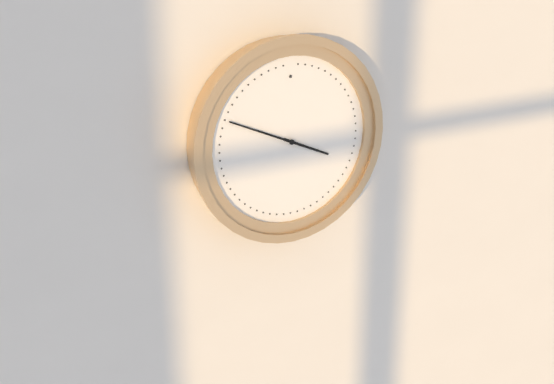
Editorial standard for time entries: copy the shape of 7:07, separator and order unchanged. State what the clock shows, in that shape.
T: 3:49
